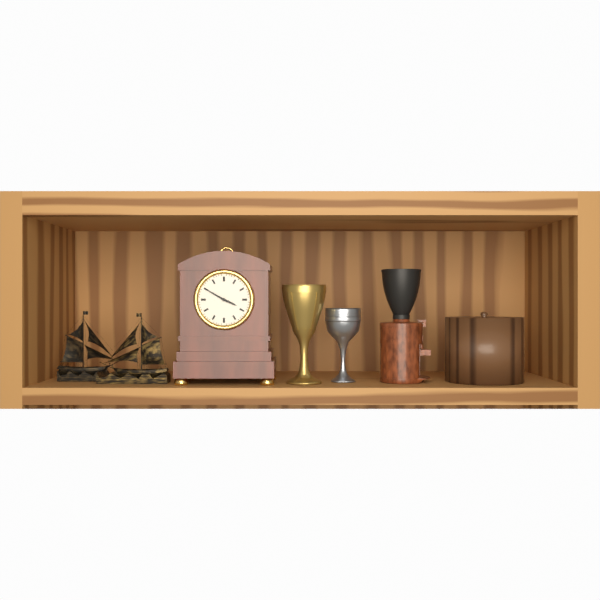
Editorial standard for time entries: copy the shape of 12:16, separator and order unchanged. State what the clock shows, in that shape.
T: 3:50
